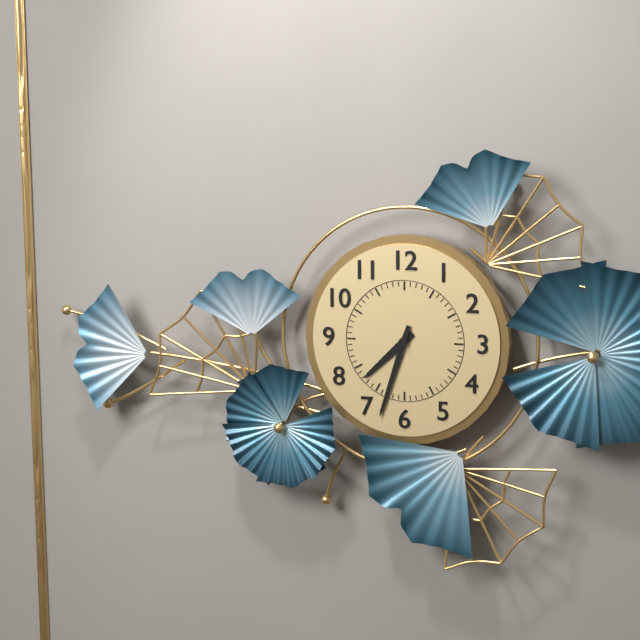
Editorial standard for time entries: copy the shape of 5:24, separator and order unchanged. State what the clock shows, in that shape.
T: 7:33
